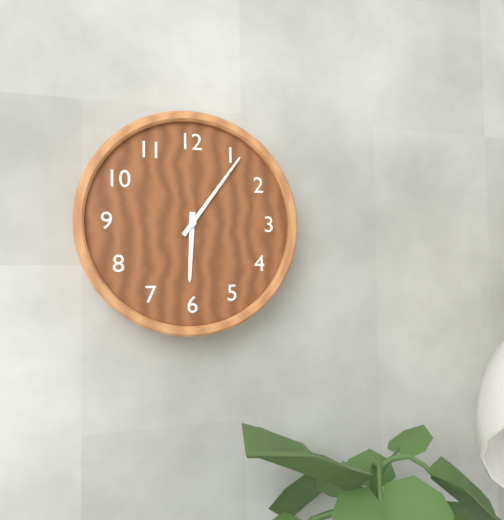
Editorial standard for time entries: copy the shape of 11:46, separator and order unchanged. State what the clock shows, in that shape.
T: 6:06
